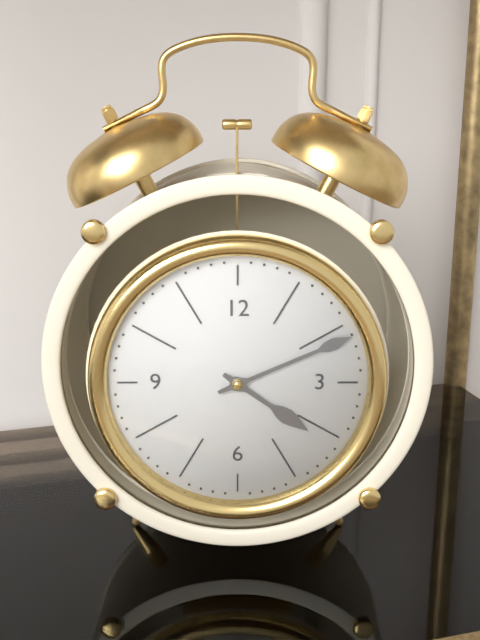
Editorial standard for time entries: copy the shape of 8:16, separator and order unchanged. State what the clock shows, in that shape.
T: 4:11
